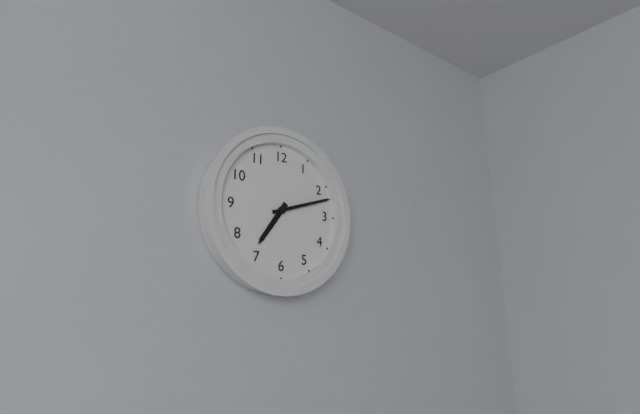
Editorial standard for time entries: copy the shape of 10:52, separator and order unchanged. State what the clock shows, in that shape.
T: 7:12
